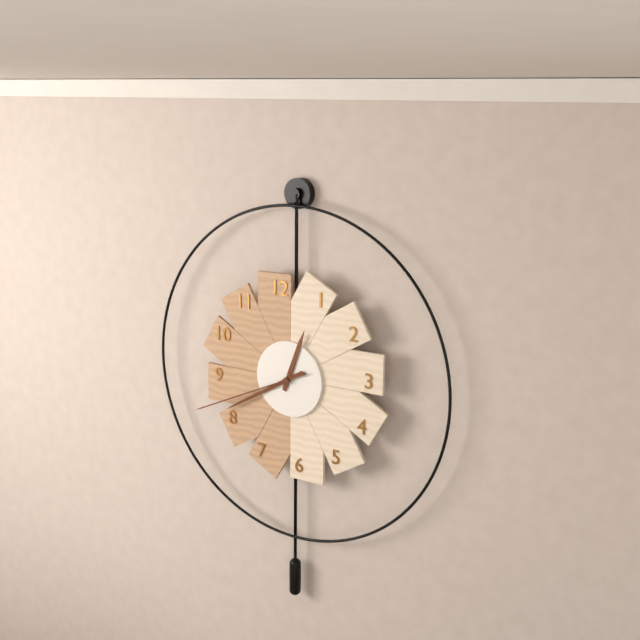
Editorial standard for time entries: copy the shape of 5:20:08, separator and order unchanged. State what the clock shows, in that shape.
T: 12:40:41
